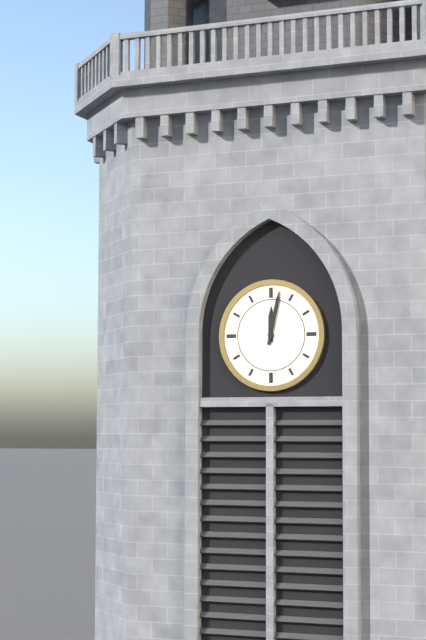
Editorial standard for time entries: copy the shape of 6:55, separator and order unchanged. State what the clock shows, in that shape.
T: 12:02
